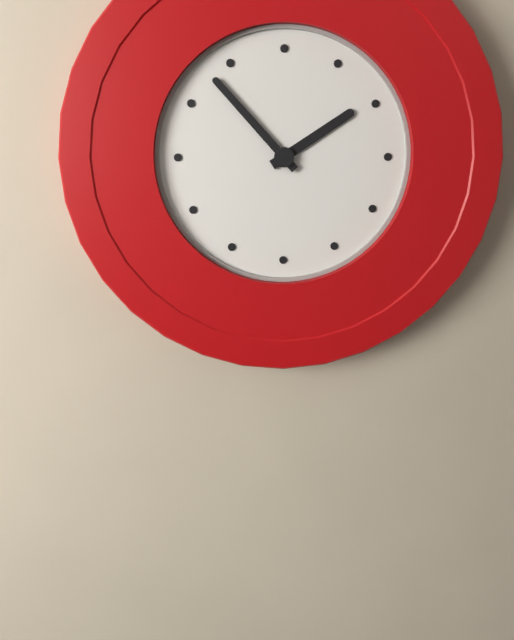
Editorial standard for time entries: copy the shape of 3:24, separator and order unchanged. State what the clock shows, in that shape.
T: 1:53
